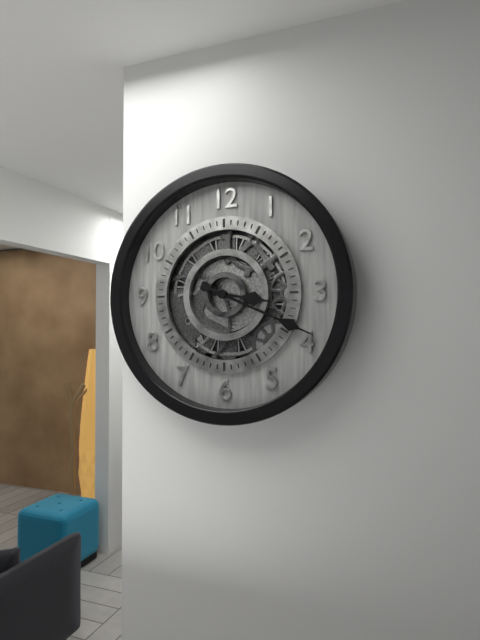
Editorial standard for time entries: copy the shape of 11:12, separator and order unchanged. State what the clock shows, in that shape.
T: 3:19
